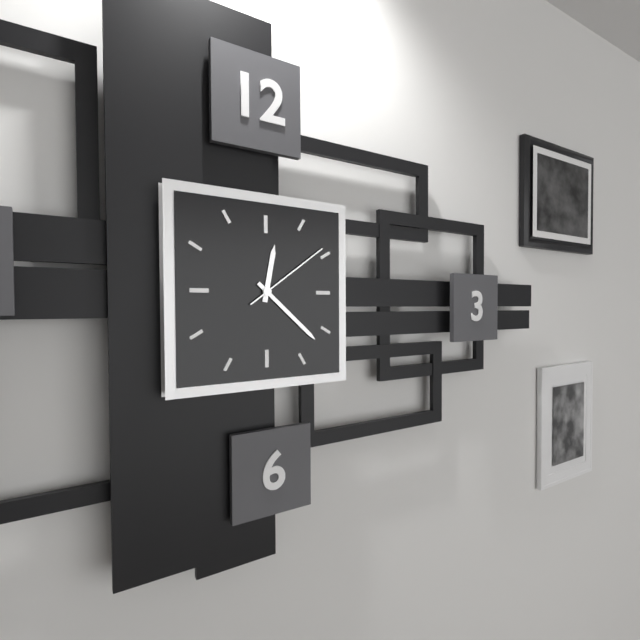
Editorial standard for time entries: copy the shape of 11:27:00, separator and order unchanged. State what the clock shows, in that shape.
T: 12:22:09
